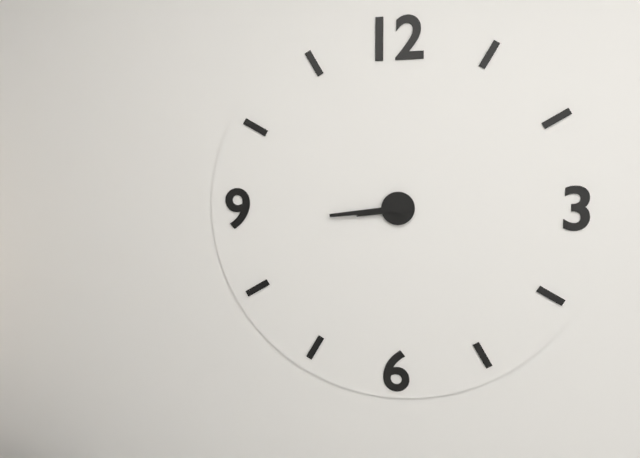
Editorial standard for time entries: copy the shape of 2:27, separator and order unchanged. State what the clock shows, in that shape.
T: 8:44
